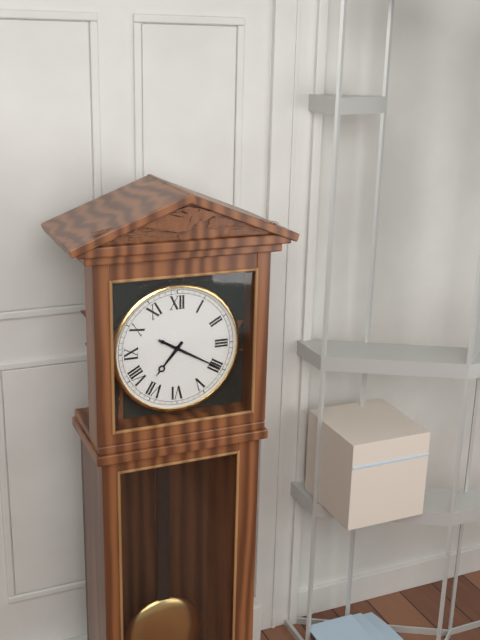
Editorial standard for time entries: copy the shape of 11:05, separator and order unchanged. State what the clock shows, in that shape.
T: 7:20
